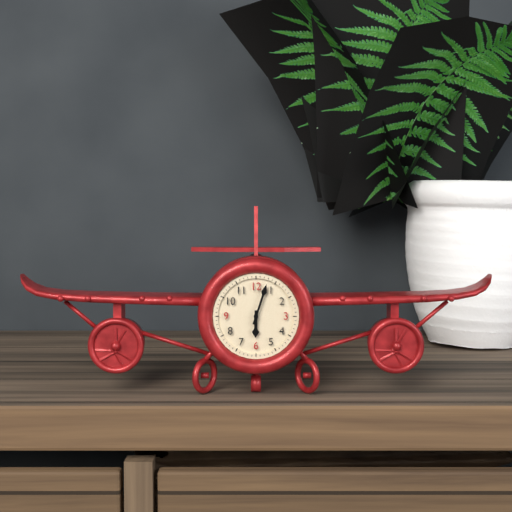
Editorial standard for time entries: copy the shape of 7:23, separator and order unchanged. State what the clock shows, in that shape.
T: 6:03
